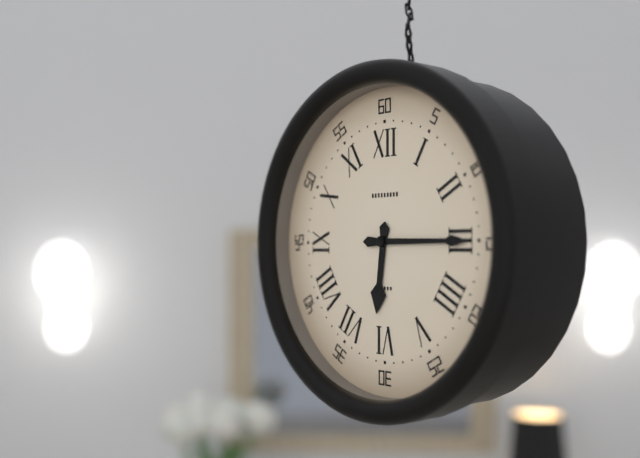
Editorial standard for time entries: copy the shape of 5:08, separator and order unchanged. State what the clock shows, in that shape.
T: 6:15
